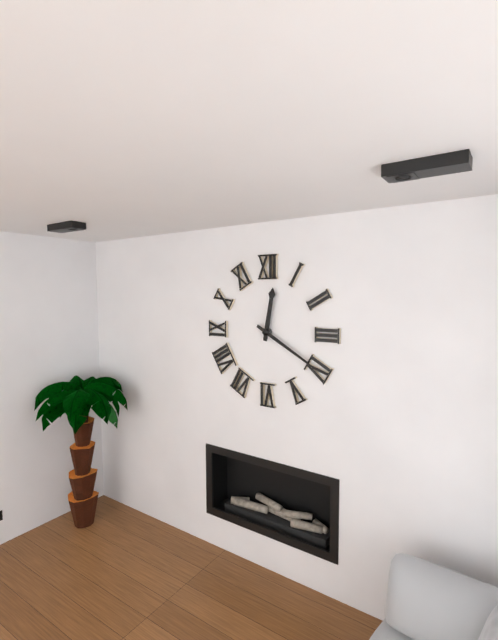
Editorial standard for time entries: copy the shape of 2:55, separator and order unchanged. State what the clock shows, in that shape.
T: 12:20
